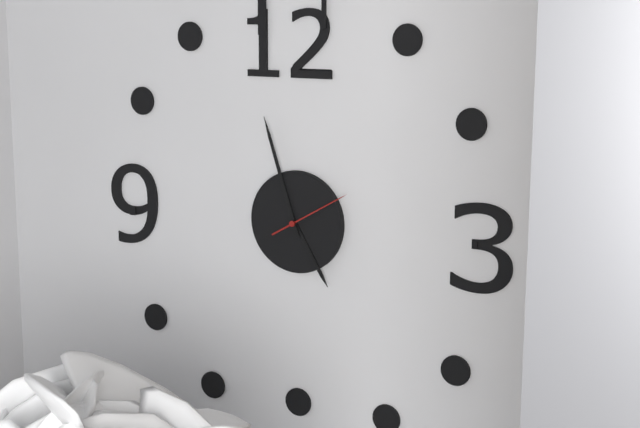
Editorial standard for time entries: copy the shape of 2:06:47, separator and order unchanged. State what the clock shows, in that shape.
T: 4:57:10
